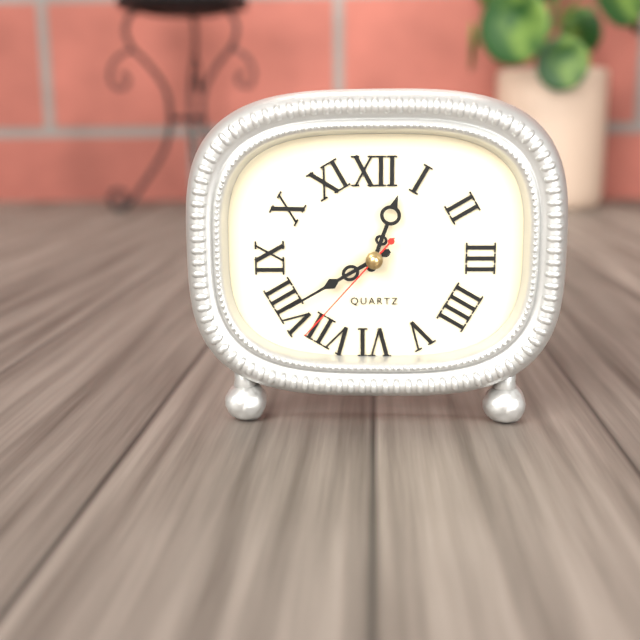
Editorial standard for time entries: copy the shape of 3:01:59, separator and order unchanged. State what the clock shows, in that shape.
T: 12:40:37
